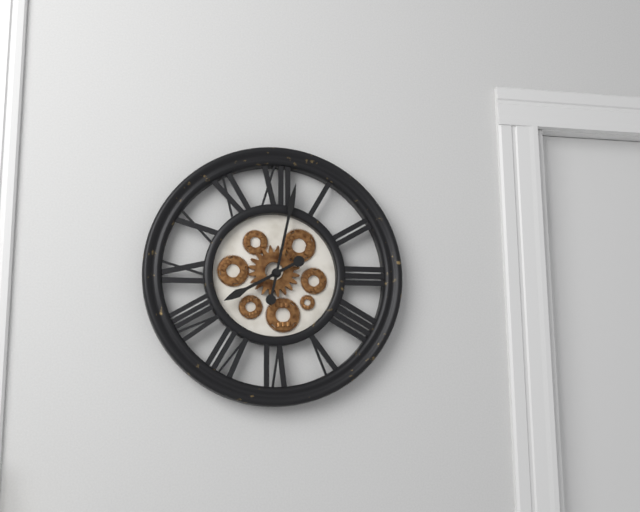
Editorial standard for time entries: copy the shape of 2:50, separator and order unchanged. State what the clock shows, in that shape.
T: 8:02
